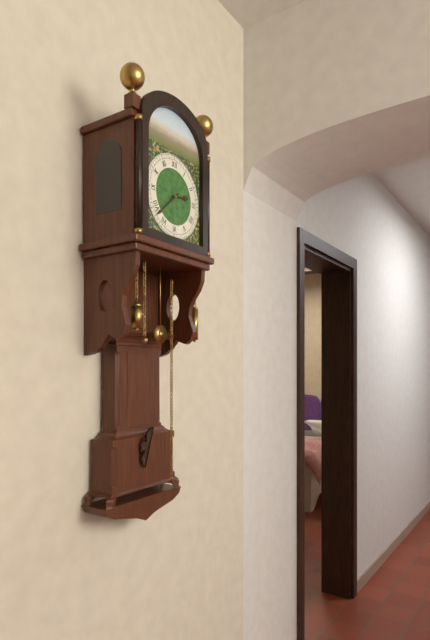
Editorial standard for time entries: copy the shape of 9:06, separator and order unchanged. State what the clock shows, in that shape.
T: 2:38
